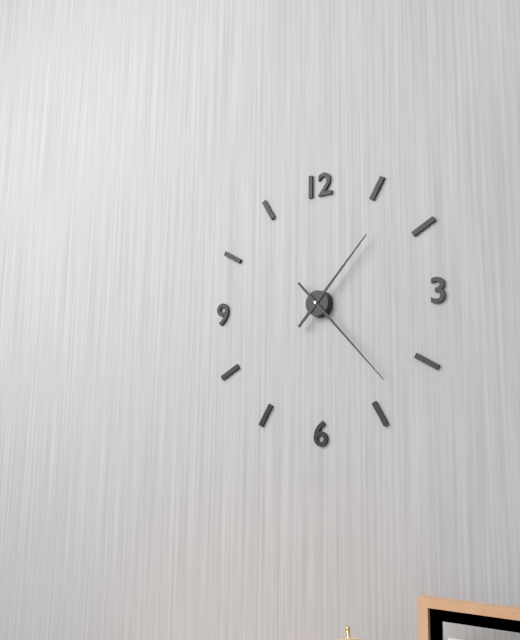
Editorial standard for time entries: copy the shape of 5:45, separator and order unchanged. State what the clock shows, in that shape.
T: 1:23
